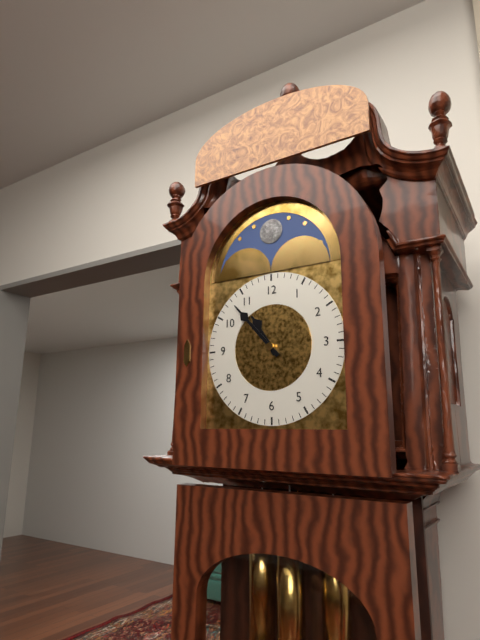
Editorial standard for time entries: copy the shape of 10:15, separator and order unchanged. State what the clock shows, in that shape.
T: 10:53
